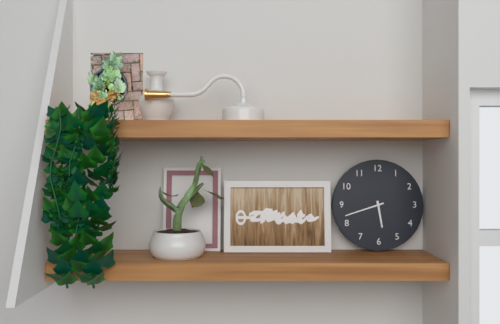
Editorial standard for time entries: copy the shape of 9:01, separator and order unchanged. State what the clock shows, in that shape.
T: 5:42
